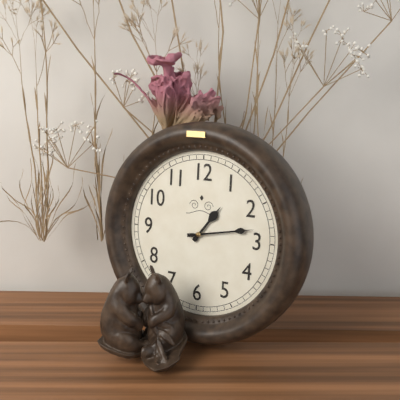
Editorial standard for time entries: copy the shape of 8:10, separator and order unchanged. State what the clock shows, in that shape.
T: 1:13
